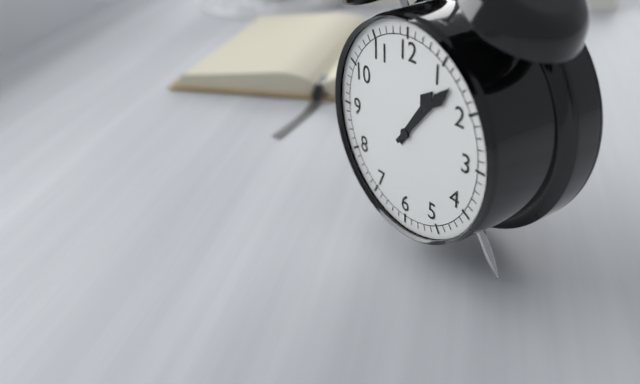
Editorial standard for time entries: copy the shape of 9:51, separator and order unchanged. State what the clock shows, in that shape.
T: 1:07
